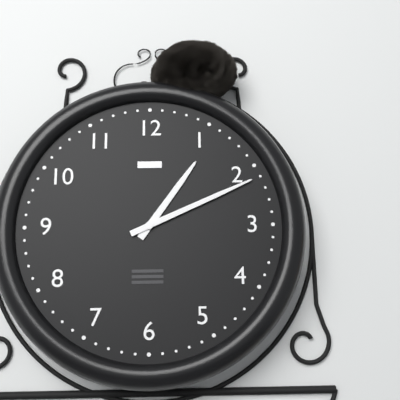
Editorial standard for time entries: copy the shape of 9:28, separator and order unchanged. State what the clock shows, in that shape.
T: 1:11
